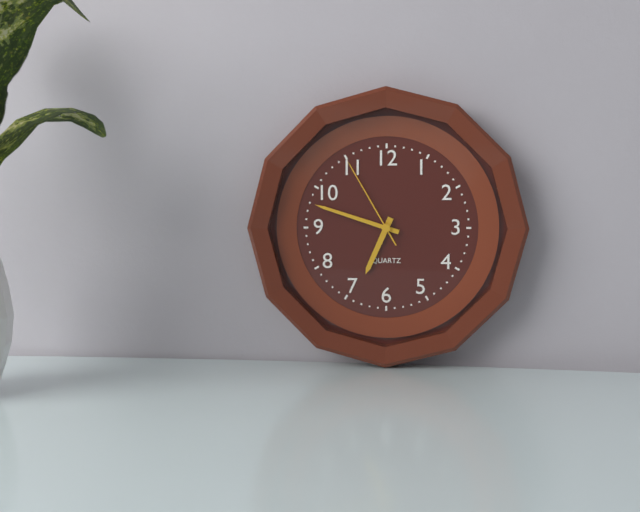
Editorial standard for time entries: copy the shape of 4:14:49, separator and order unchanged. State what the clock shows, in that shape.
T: 6:48:55
